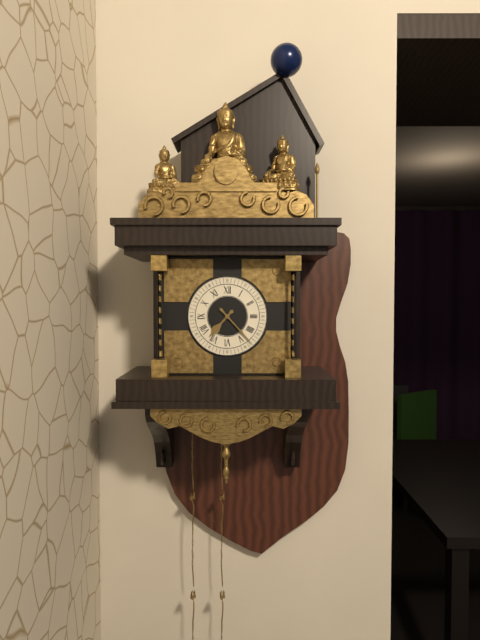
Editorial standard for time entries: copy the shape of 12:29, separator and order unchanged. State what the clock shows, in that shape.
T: 7:23
